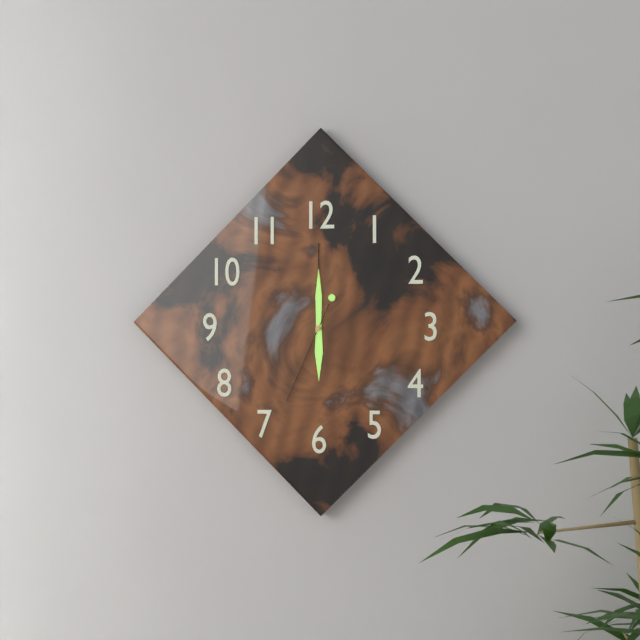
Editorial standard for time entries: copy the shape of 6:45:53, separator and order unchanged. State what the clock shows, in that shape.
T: 6:00:34
